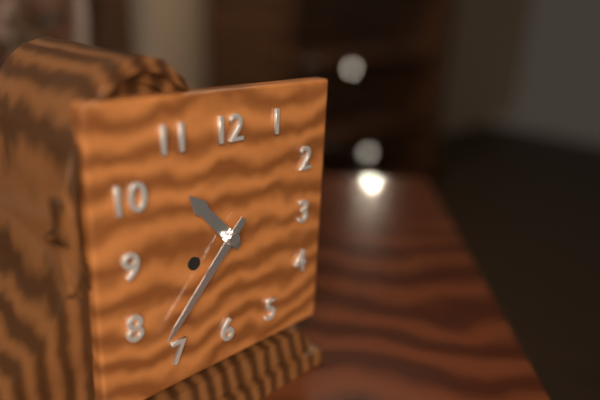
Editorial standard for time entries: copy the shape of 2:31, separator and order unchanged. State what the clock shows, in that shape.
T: 10:37
